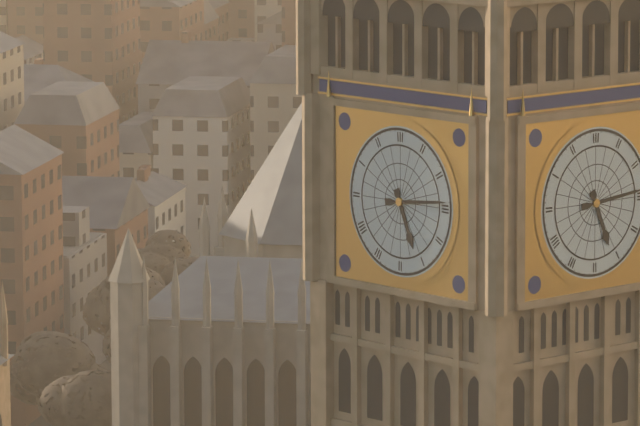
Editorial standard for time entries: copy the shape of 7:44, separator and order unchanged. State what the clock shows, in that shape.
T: 5:14
